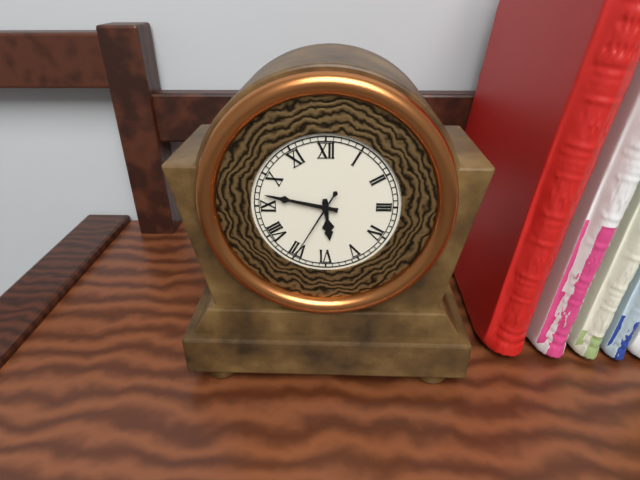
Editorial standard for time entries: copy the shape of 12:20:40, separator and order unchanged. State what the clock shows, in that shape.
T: 5:47:35
